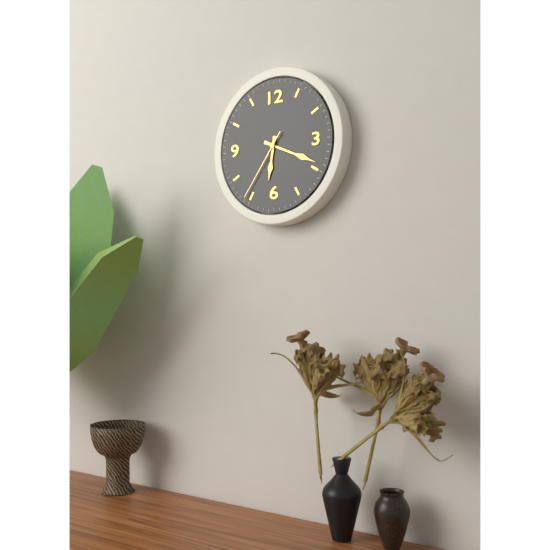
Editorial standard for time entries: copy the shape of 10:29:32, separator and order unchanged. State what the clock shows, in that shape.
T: 6:19:36
